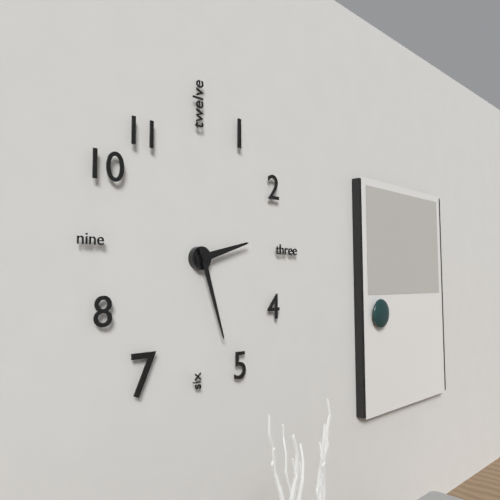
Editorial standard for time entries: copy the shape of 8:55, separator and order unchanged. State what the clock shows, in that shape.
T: 2:27
